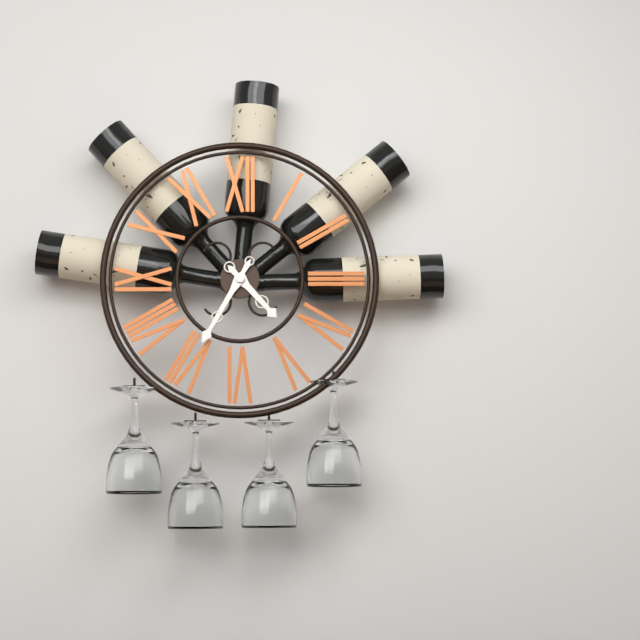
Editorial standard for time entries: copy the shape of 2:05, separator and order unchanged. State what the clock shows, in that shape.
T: 4:35
